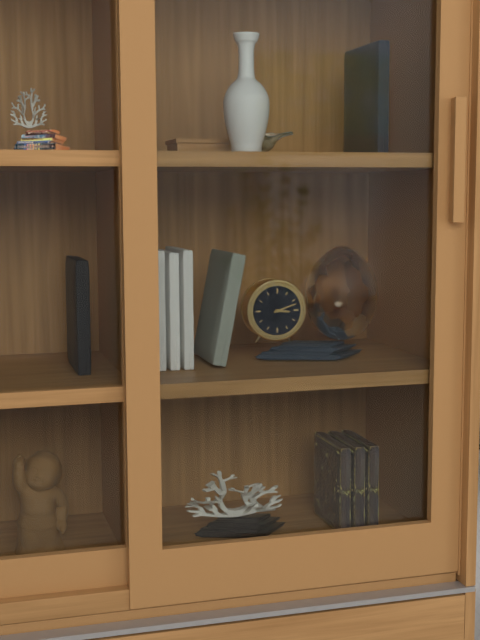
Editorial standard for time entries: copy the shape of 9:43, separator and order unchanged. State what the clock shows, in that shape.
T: 3:12
